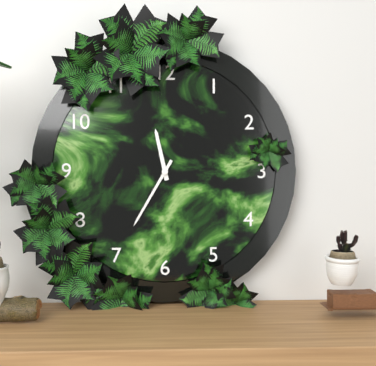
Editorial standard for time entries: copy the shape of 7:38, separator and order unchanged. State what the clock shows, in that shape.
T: 11:35
